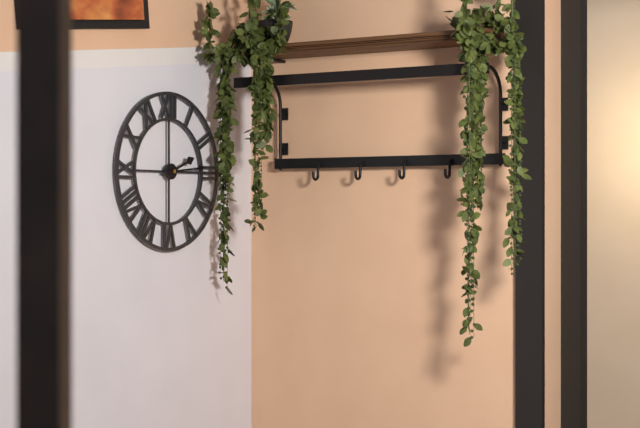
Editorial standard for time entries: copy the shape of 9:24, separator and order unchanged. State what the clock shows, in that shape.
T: 2:14
